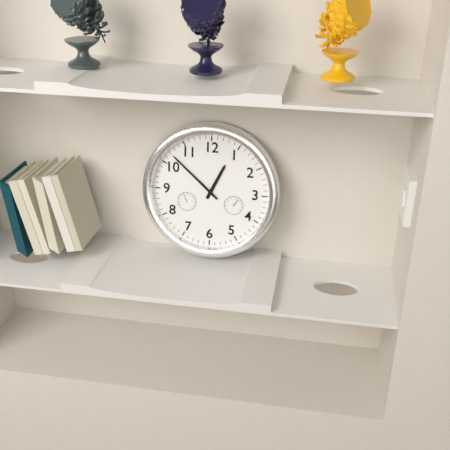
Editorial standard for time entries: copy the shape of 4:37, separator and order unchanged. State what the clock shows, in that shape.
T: 12:52
